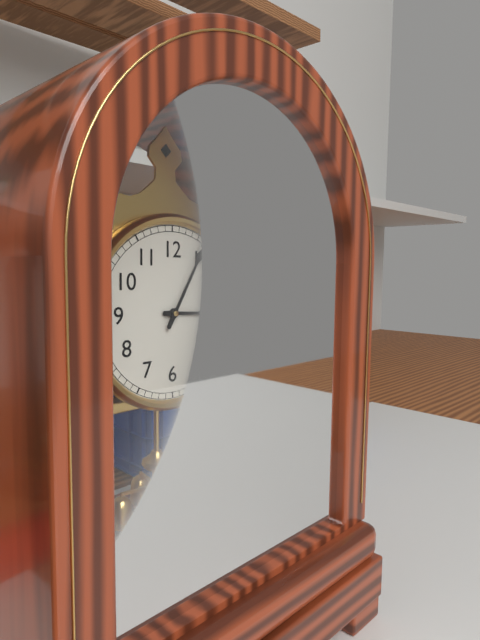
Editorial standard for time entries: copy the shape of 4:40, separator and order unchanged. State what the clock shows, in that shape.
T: 3:05
